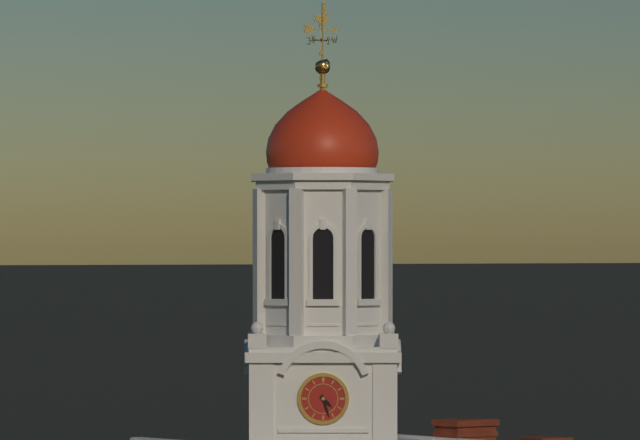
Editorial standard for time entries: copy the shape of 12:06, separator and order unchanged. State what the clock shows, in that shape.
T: 4:27
